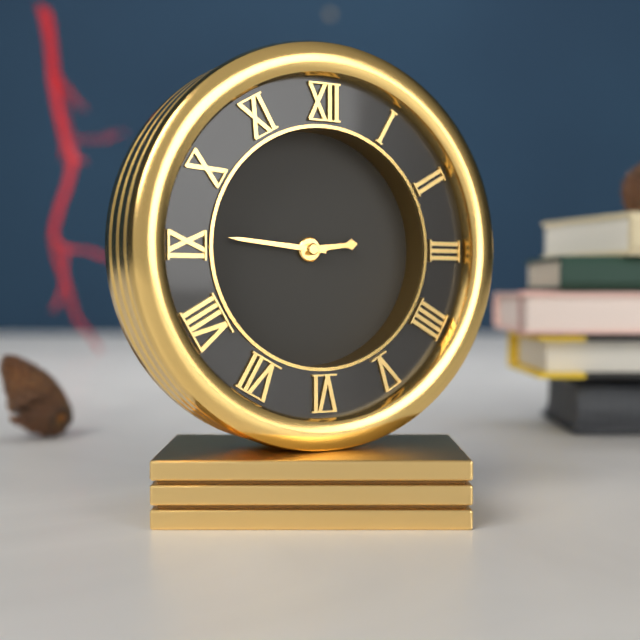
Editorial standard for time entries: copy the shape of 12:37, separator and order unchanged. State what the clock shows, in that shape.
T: 2:46
